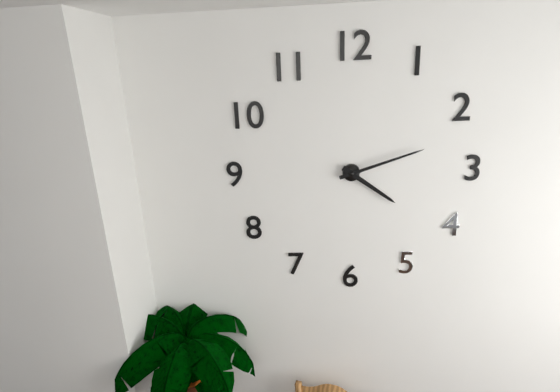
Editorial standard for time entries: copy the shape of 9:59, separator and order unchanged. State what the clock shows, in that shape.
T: 4:12
